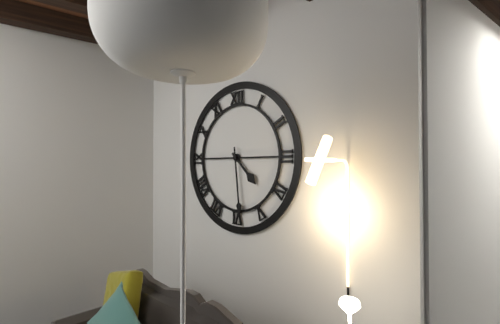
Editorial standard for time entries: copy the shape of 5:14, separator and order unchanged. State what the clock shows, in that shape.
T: 4:29
